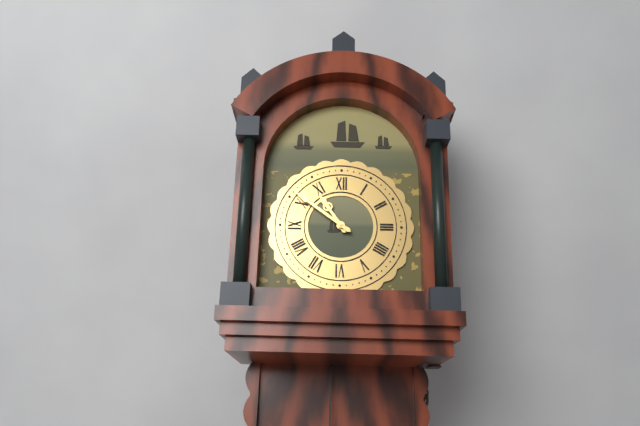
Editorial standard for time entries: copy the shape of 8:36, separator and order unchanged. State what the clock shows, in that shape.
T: 10:51
